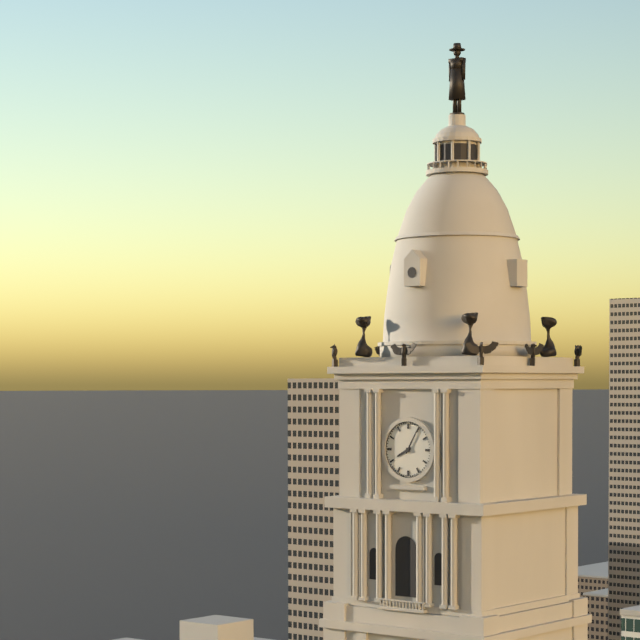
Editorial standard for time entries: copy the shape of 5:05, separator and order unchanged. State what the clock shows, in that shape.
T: 8:05
